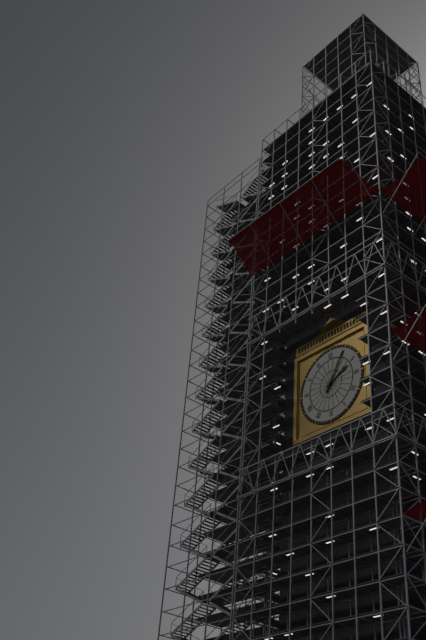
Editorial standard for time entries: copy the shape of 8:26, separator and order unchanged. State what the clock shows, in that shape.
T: 2:05
